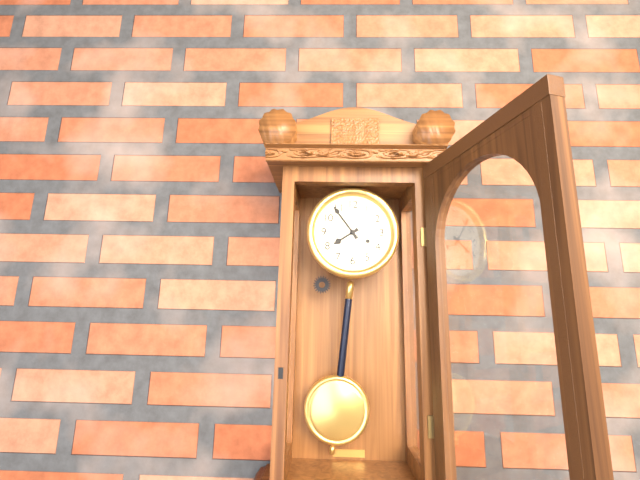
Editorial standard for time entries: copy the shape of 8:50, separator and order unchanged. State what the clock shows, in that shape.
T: 7:54
